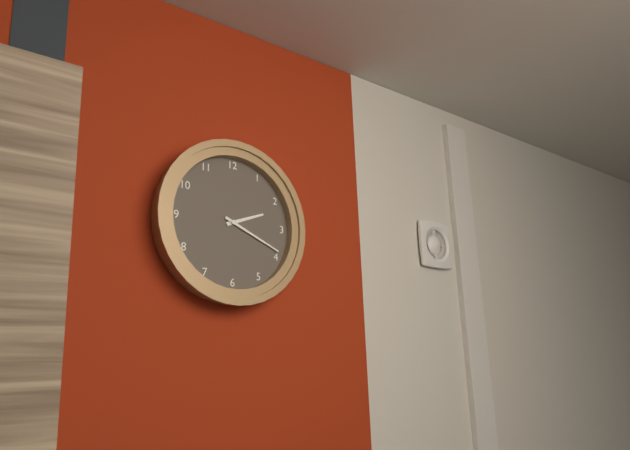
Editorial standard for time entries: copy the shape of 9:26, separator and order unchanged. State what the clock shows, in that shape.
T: 2:19
